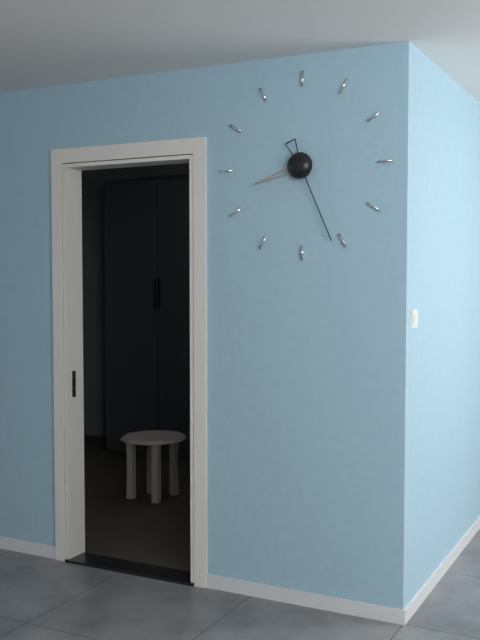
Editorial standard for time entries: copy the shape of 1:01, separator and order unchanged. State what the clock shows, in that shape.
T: 8:26
